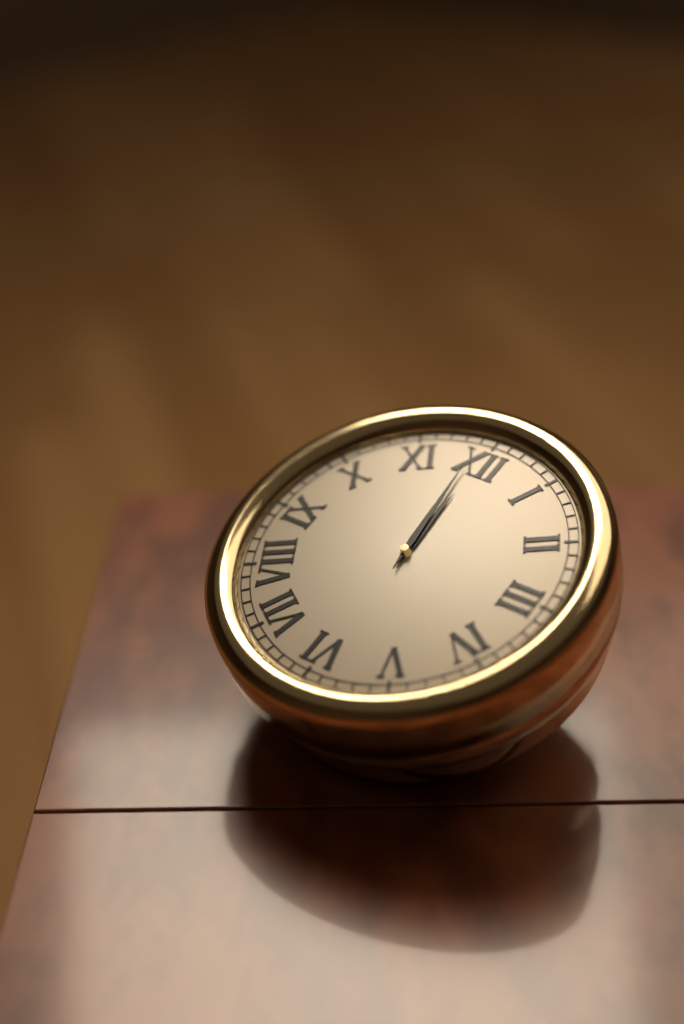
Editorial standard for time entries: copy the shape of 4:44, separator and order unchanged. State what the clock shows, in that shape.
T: 11:59
